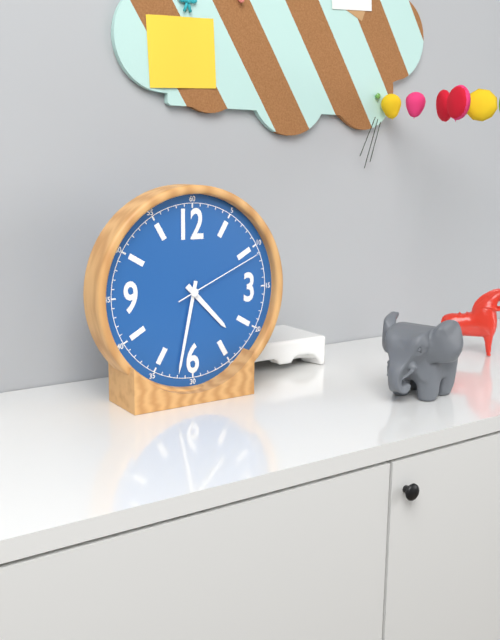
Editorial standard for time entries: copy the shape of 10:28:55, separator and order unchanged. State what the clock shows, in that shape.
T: 4:32:11
